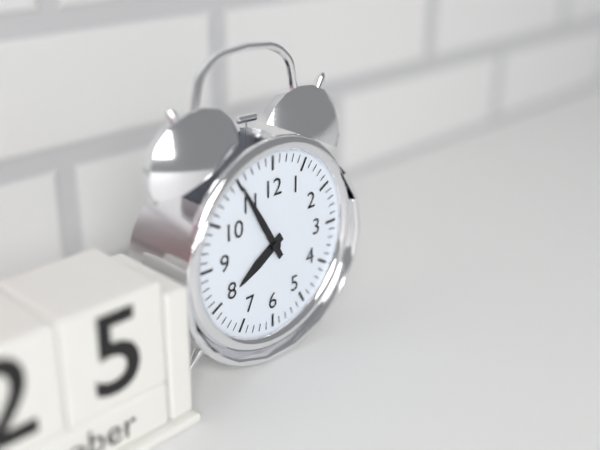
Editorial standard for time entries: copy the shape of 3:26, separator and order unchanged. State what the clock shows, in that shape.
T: 7:55
